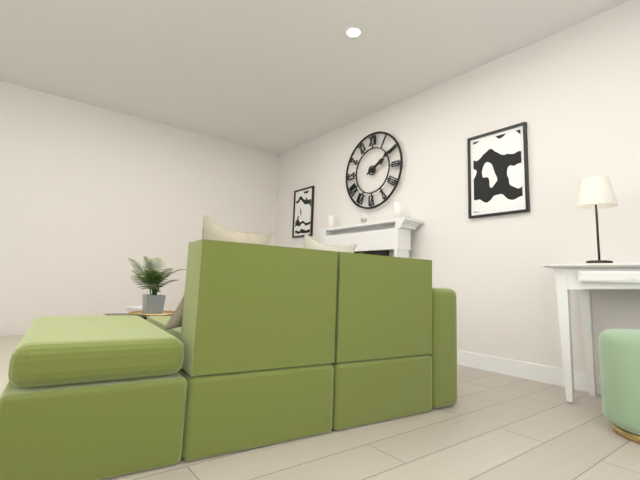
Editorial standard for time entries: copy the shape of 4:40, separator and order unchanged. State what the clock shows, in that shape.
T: 2:10
